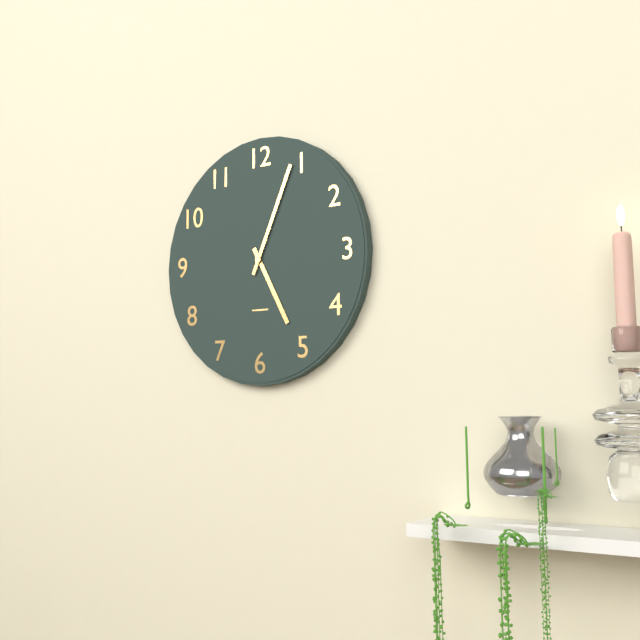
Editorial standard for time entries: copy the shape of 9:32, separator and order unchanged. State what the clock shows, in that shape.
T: 5:04
